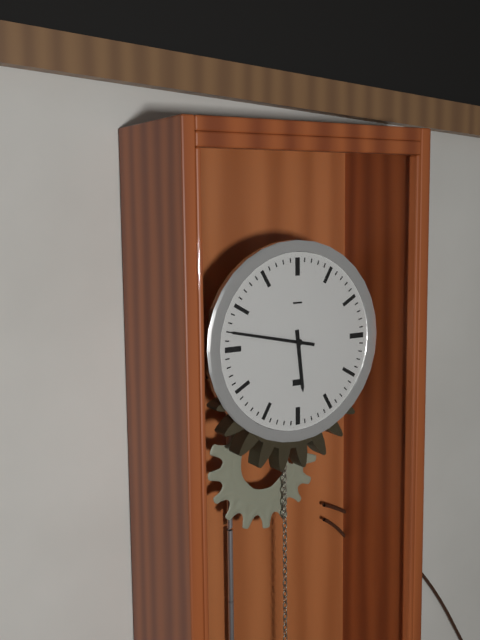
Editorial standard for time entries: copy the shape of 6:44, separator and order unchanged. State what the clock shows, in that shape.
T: 5:47
